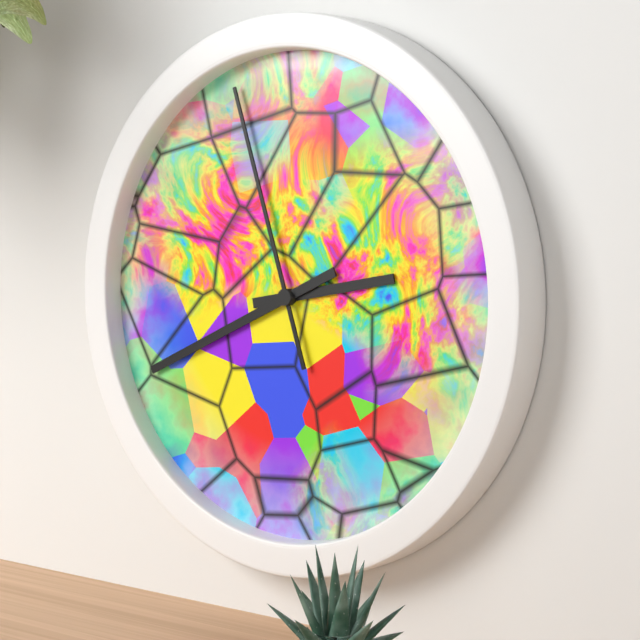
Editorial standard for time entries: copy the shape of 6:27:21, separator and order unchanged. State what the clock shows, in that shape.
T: 2:41:57
